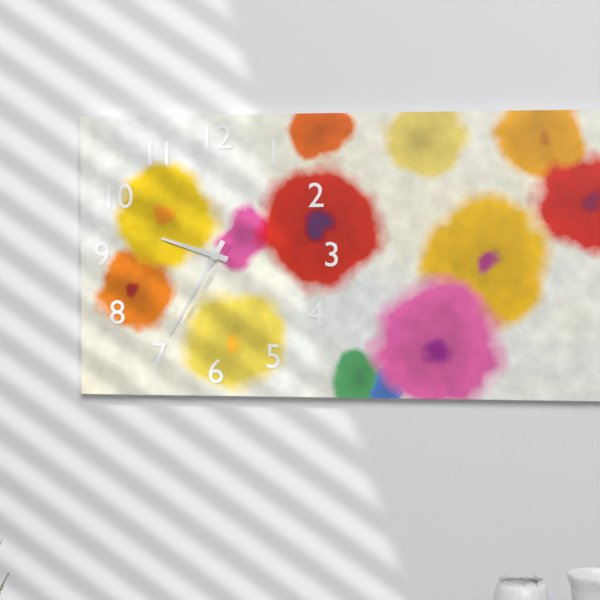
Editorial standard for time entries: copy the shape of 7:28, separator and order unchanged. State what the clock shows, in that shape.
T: 9:35
